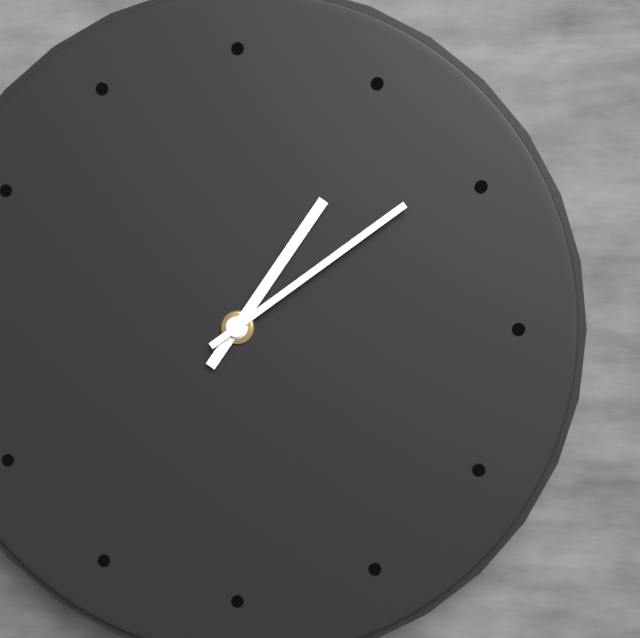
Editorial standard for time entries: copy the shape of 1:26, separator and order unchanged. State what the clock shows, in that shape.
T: 1:09
